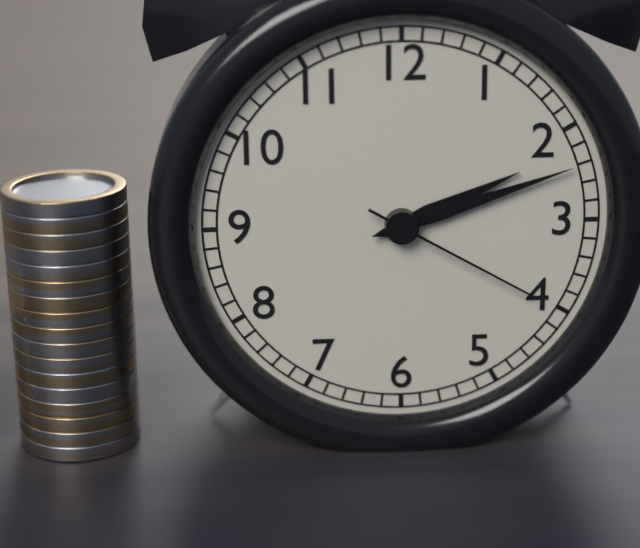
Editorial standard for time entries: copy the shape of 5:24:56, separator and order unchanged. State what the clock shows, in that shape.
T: 2:12:20
